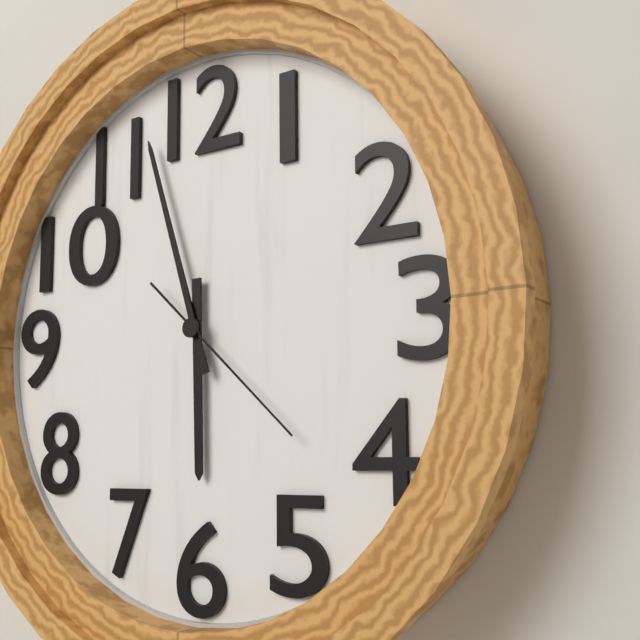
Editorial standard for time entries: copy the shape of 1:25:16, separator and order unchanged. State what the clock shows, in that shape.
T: 5:57:22
